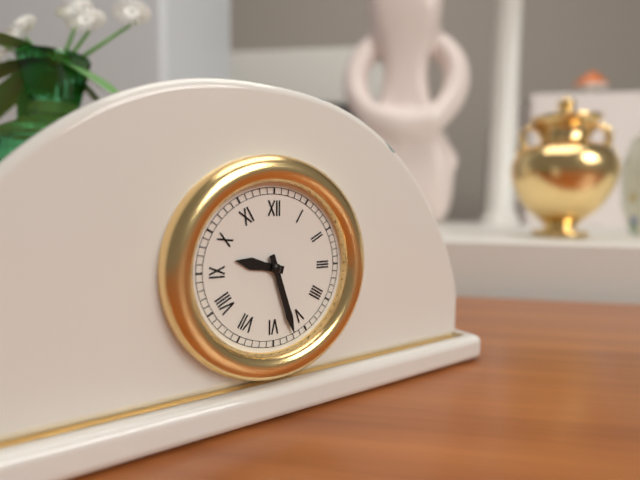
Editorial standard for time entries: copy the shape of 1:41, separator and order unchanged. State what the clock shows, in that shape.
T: 9:27
